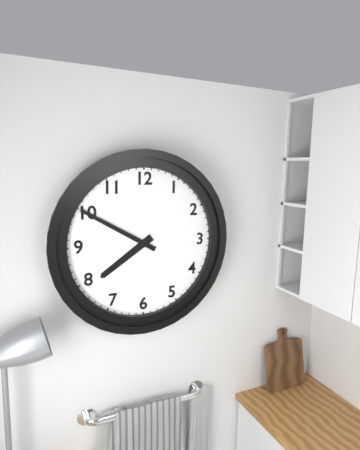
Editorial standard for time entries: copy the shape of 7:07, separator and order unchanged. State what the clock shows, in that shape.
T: 7:50
